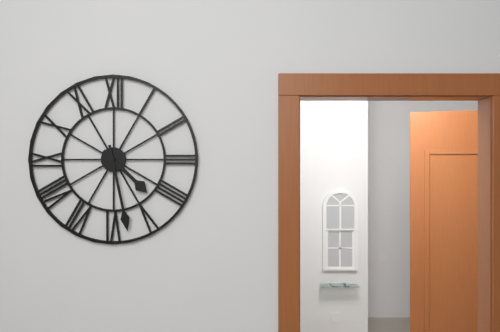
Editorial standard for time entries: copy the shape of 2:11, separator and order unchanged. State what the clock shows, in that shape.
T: 4:28
